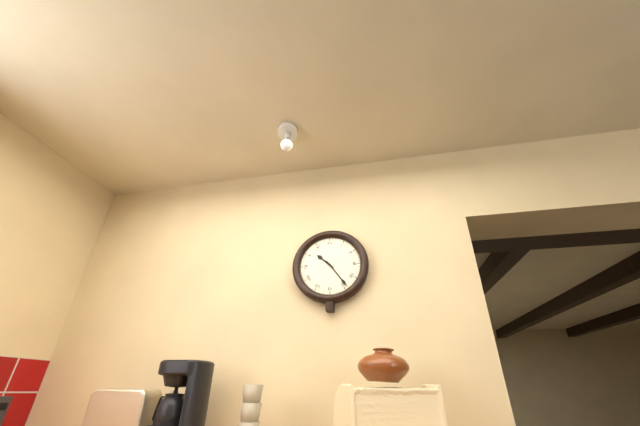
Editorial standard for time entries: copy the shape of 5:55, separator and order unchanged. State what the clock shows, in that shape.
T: 10:24
